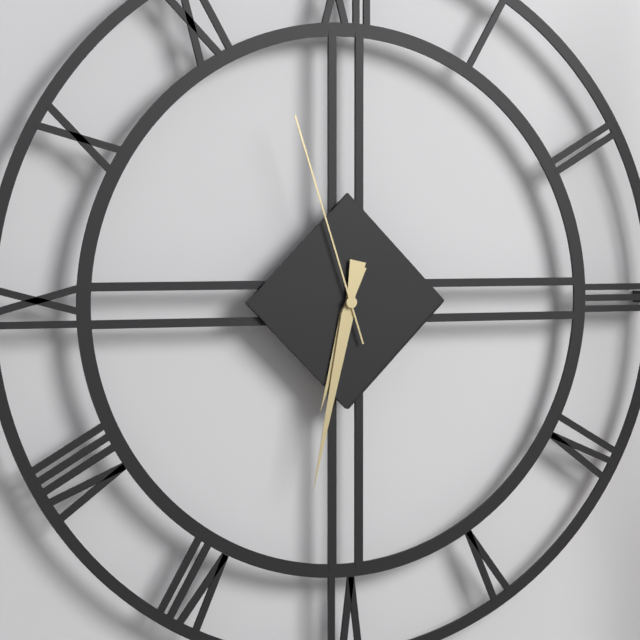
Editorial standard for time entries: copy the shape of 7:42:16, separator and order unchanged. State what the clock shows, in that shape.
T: 6:32:57
